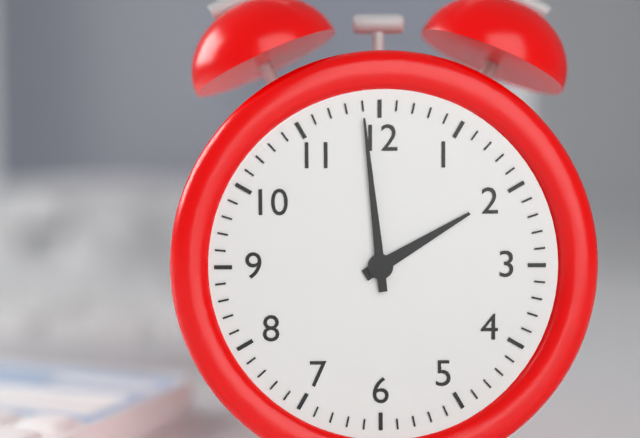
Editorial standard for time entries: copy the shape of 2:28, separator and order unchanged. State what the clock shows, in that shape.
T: 1:59
